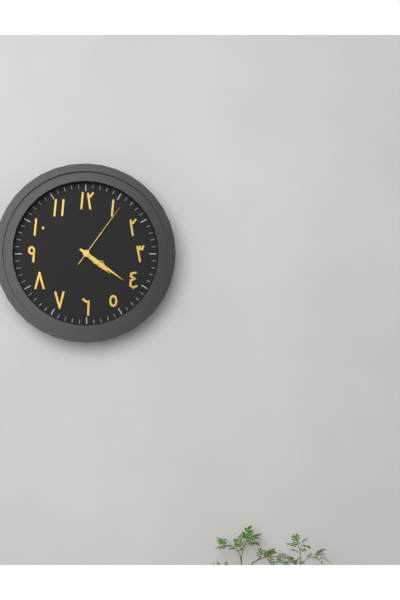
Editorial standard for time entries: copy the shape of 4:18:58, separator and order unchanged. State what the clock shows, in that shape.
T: 4:21:06
